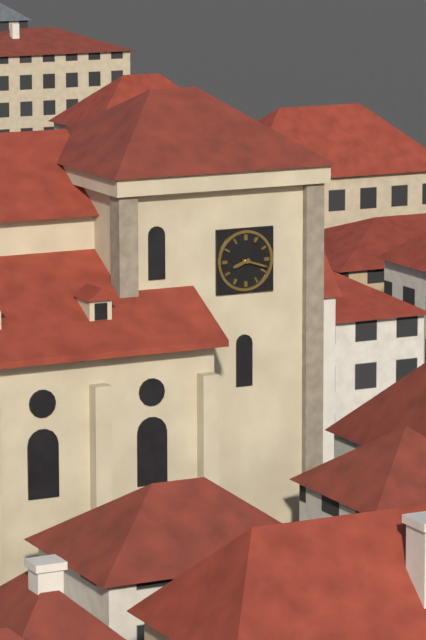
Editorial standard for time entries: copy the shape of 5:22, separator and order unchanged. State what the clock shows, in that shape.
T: 8:18
